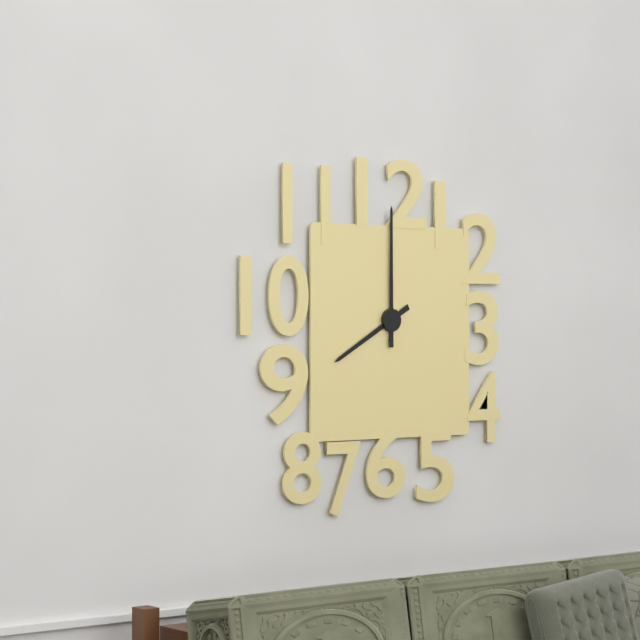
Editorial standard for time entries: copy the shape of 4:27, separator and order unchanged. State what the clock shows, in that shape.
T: 8:00
